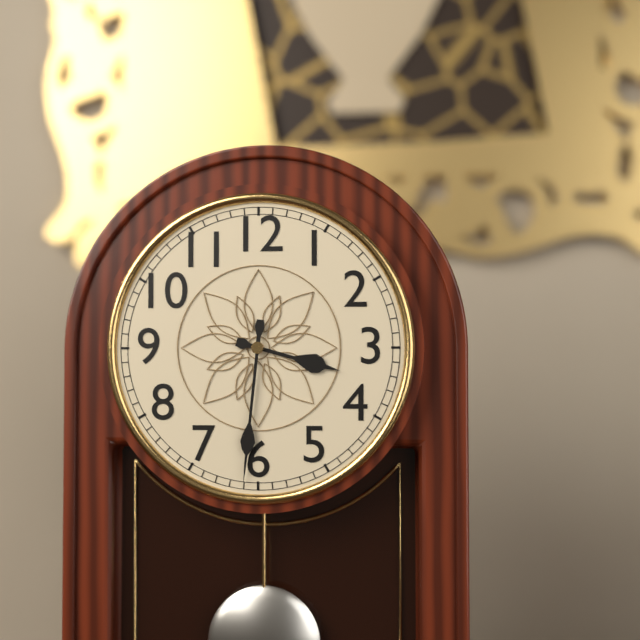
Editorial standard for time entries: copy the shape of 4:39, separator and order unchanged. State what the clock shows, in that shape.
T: 3:31
